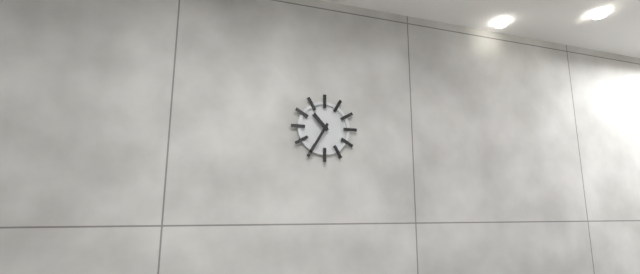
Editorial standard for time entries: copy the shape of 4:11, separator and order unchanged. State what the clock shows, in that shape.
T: 10:35
